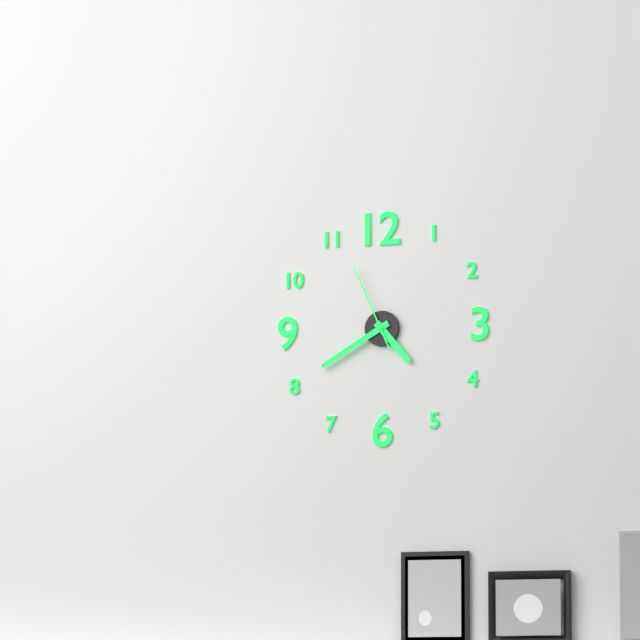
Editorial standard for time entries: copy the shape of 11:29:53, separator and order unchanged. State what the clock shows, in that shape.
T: 4:40:56
